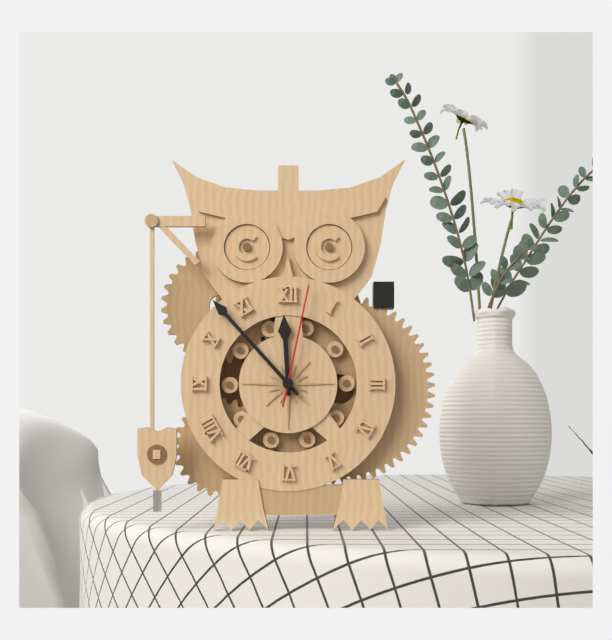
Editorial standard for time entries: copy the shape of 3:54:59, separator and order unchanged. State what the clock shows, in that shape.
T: 11:53:02
